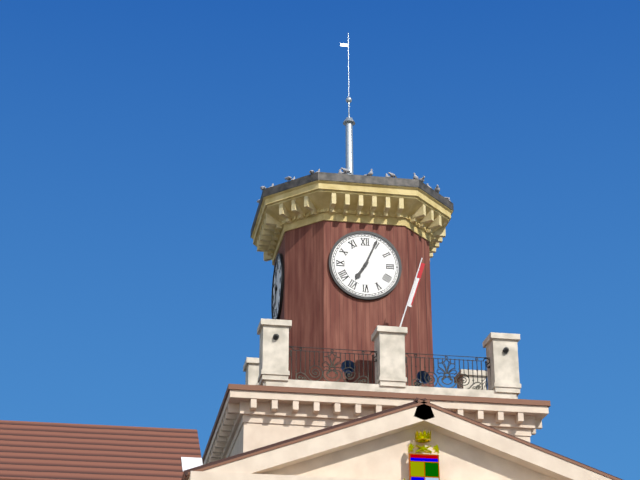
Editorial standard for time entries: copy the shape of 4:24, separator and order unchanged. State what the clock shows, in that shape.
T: 7:04
